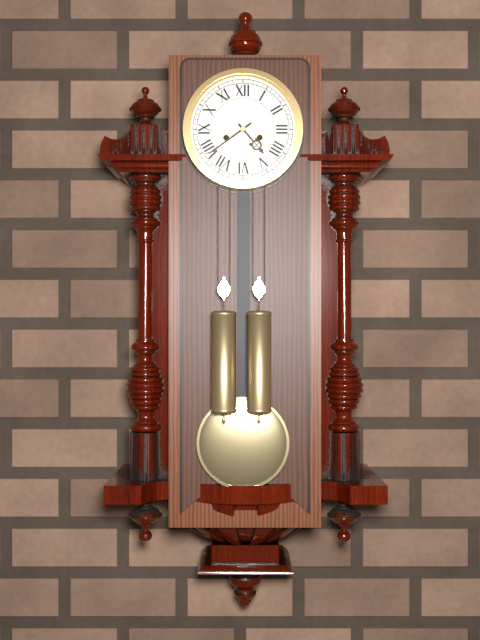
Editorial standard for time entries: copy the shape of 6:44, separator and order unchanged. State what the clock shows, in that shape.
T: 4:39
